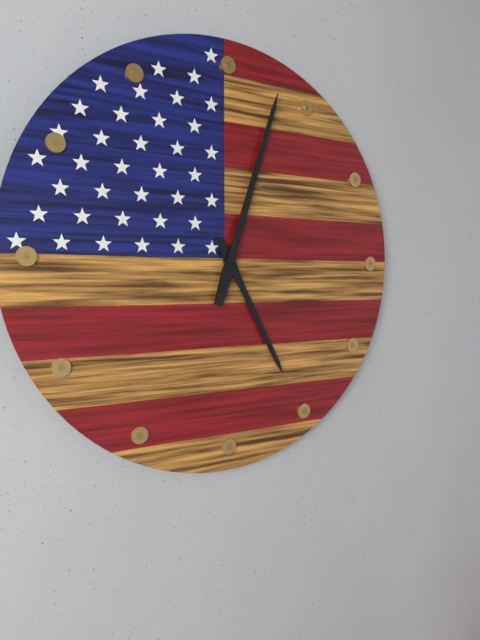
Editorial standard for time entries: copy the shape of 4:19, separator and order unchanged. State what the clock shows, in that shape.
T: 5:03
